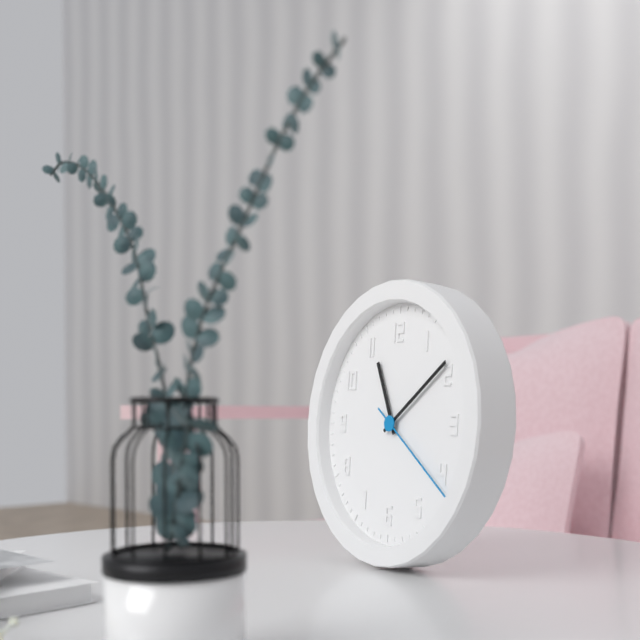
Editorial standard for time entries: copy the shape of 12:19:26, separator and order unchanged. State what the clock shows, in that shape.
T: 11:09:21
